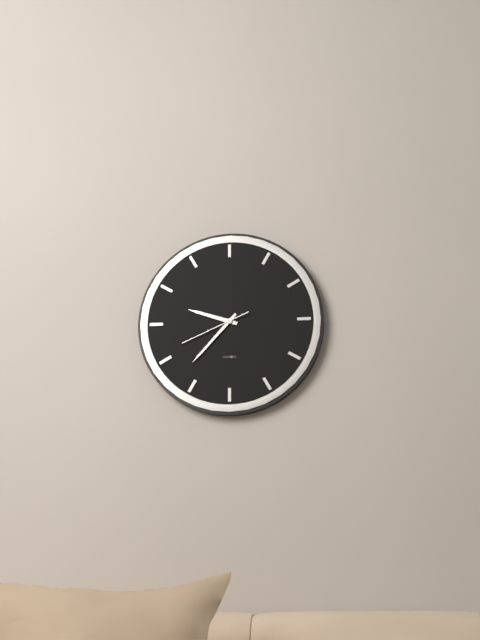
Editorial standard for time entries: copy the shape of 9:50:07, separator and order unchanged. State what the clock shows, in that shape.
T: 9:37:41
